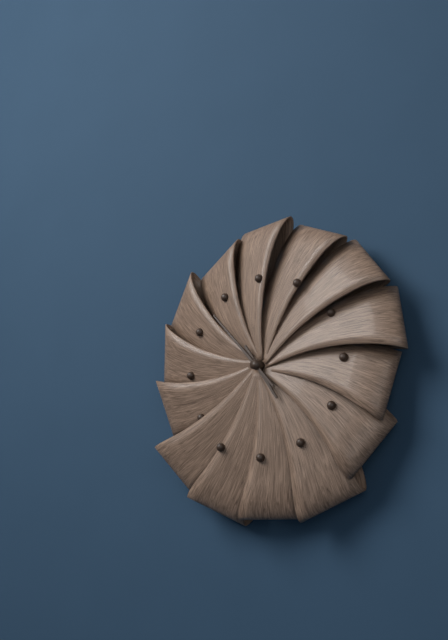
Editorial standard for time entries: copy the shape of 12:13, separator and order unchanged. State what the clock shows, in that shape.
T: 4:53
